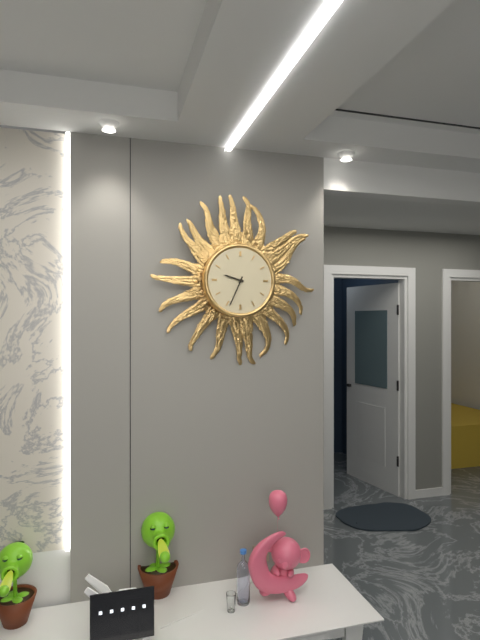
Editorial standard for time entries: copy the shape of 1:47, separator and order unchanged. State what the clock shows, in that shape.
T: 9:34
